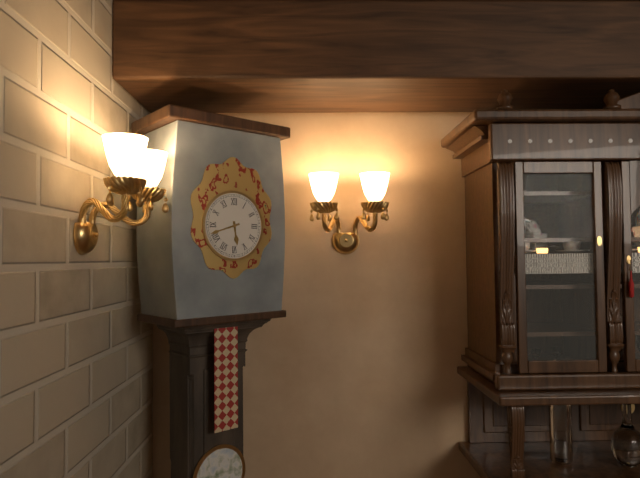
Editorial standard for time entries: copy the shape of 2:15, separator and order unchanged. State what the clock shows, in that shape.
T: 5:42
